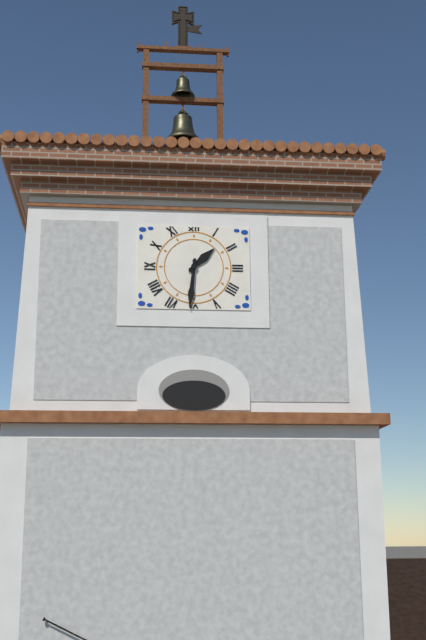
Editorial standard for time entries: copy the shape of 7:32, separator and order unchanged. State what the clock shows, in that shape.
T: 1:31
